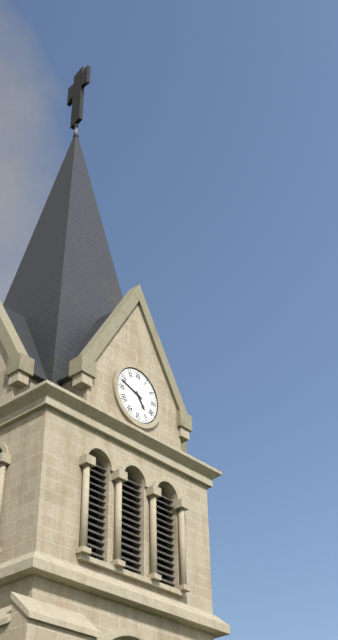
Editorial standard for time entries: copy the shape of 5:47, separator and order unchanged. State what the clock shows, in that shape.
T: 4:48
